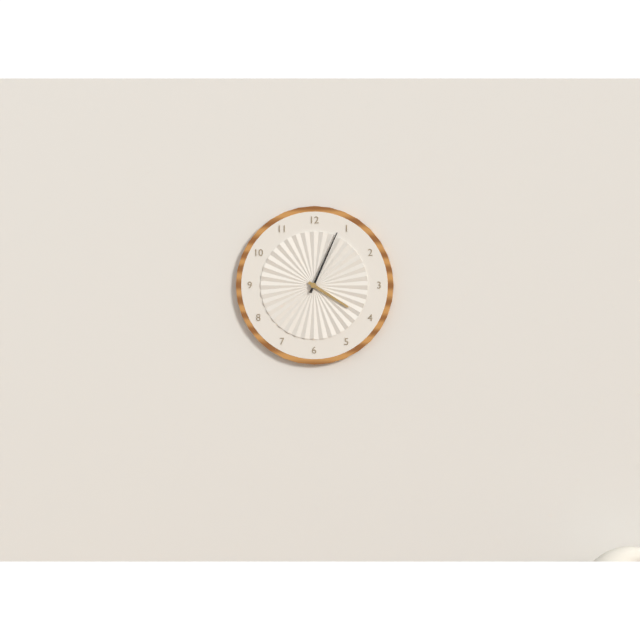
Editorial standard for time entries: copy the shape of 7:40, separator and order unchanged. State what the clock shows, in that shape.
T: 4:04
